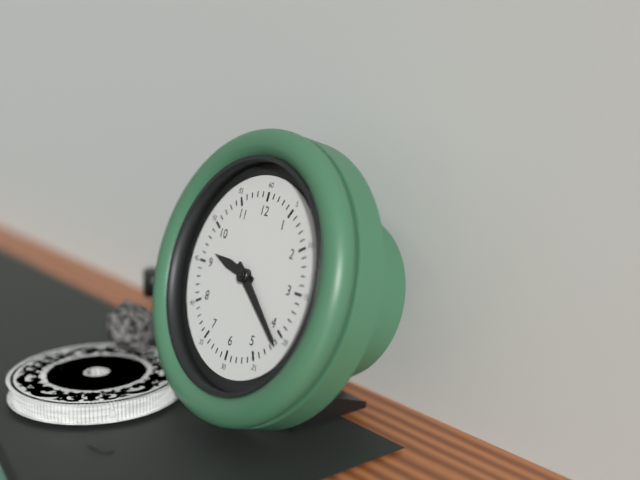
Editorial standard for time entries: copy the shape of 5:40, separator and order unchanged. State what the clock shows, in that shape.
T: 9:21
